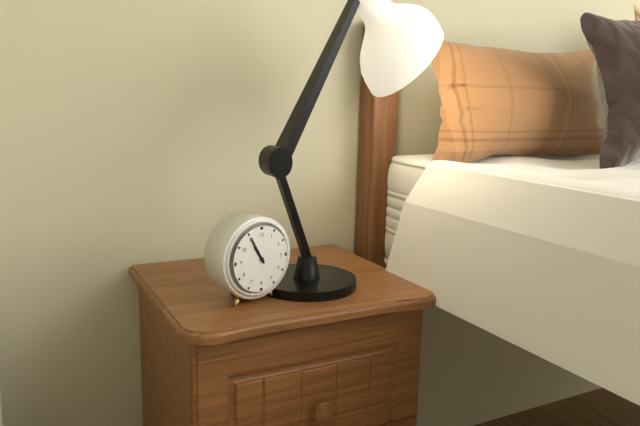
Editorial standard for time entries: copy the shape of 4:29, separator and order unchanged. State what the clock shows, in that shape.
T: 10:55
